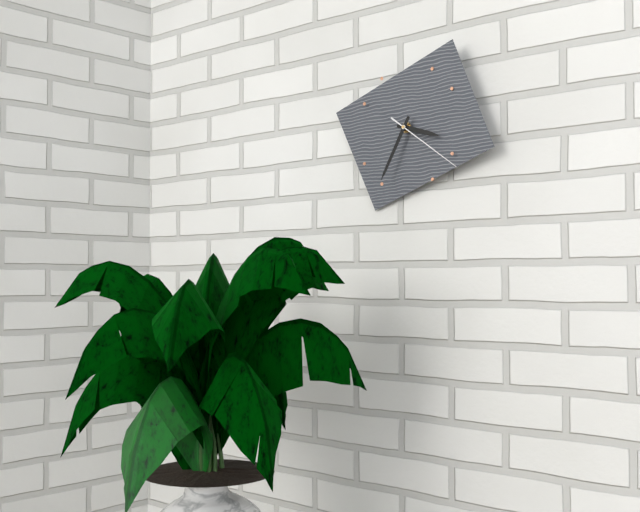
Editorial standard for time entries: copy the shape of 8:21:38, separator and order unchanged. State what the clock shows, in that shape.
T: 3:35:21
